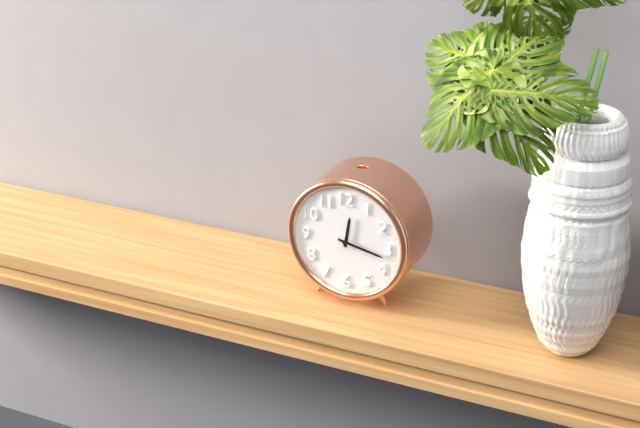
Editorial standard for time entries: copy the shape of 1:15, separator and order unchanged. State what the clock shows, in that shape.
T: 12:17
